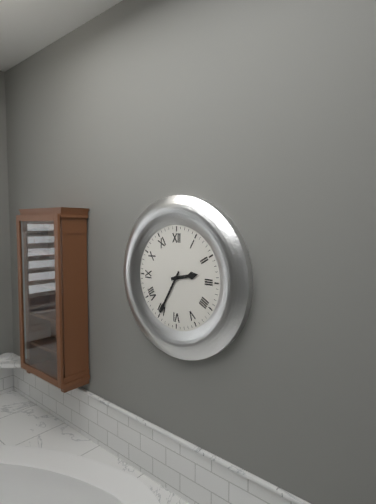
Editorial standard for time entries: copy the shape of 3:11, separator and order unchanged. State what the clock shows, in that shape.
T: 2:35
